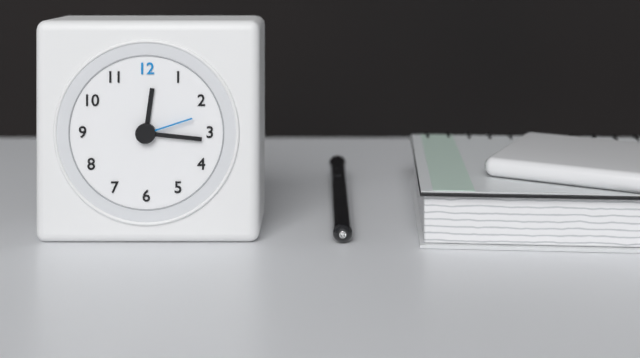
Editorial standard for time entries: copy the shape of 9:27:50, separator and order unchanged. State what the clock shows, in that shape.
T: 12:16:12
